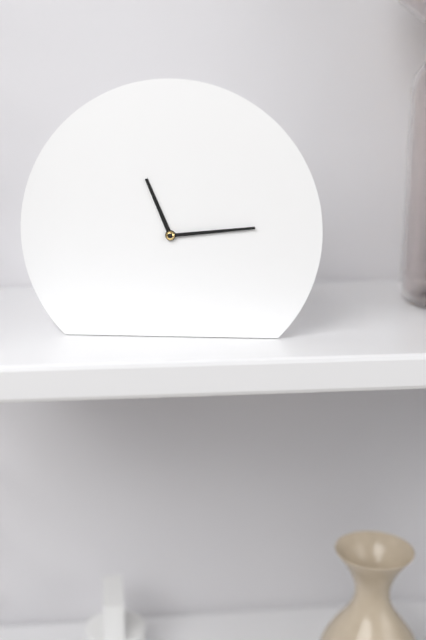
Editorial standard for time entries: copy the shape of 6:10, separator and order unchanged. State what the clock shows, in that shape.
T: 11:14
